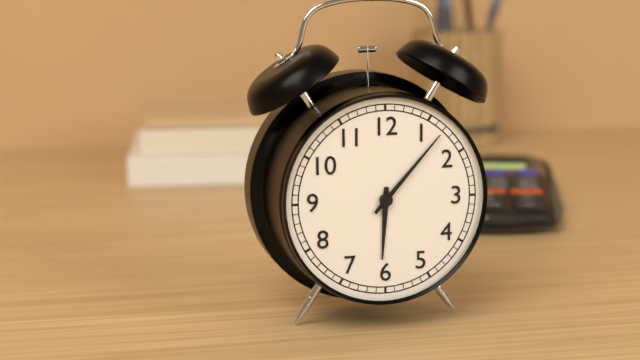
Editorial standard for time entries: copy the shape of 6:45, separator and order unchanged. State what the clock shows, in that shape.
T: 6:07
